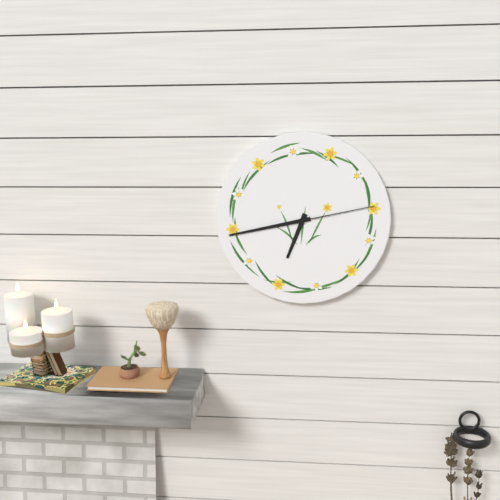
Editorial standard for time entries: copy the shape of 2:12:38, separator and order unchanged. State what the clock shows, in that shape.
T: 6:43:13
